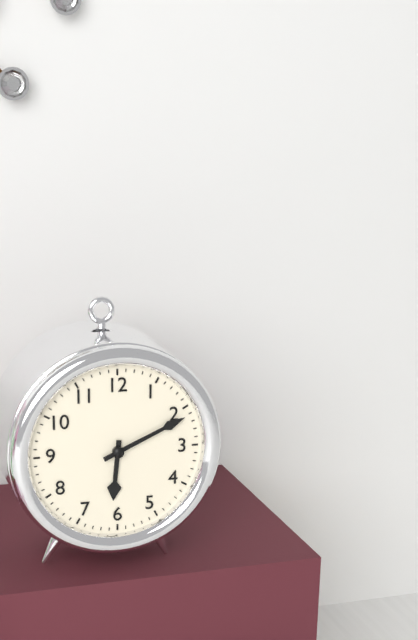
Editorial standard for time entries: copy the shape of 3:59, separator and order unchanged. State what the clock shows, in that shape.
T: 6:11
